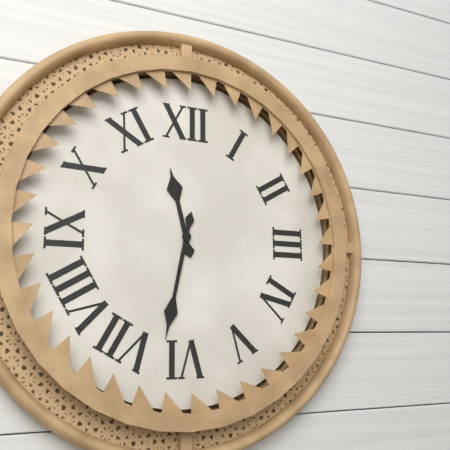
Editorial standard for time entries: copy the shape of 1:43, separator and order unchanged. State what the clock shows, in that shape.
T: 11:32
